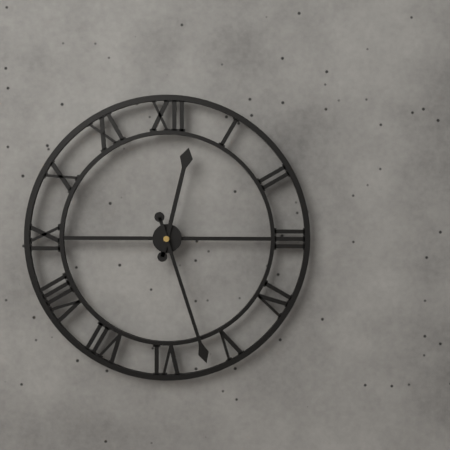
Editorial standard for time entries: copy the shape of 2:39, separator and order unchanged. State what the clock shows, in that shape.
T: 12:27
